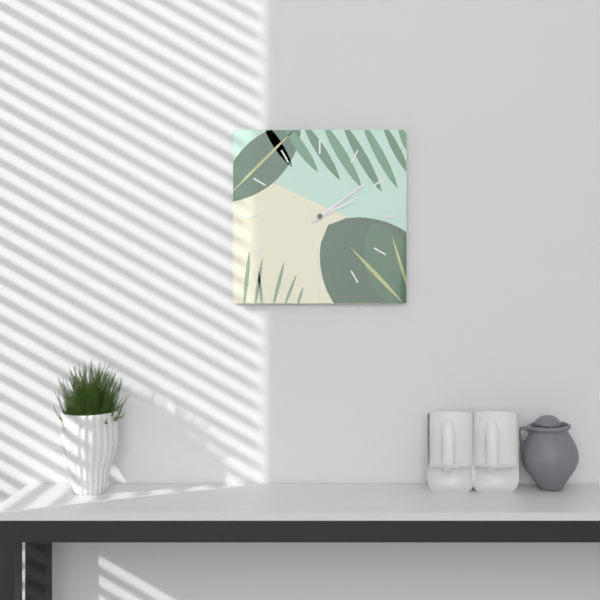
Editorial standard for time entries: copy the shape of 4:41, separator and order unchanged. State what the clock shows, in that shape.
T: 2:09
